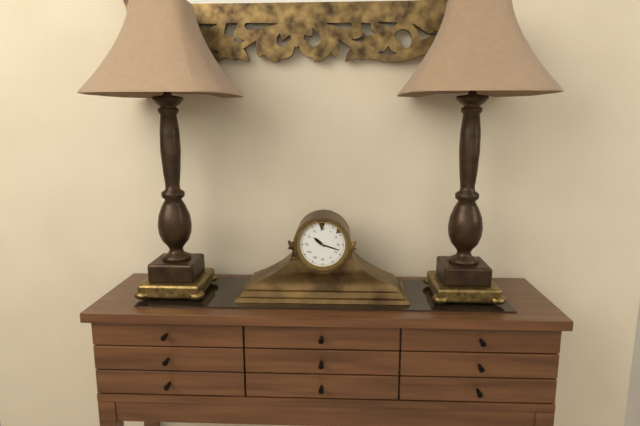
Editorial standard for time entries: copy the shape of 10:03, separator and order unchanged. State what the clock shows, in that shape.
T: 10:18
